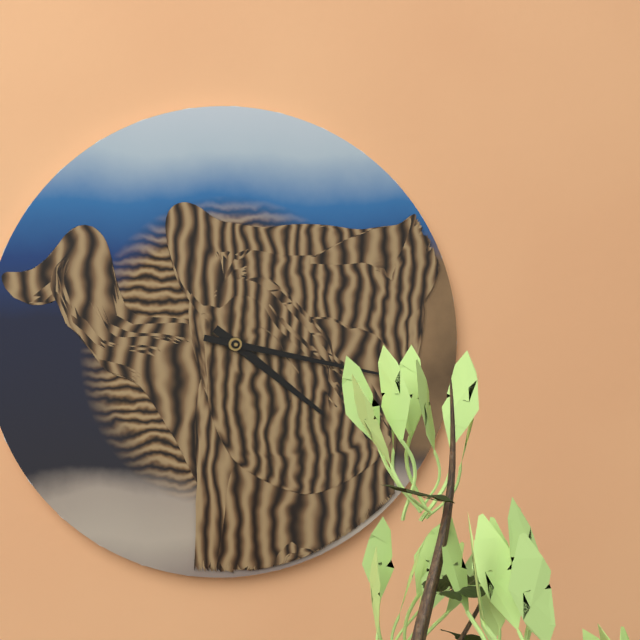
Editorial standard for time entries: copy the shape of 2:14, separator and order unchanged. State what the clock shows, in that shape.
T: 4:17
